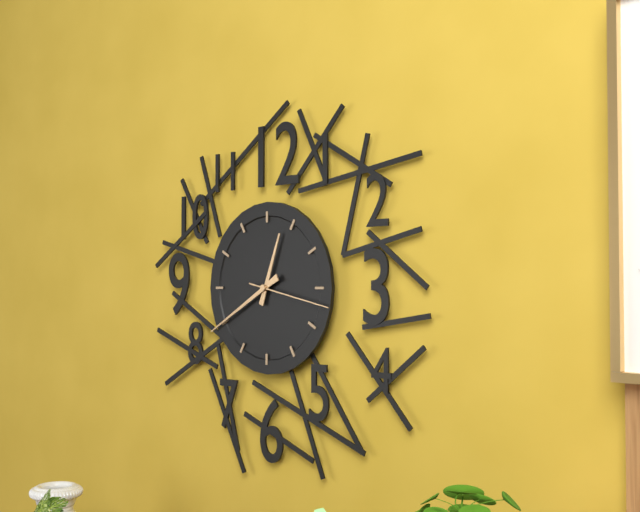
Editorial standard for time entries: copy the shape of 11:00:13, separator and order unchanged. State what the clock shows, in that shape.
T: 12:40:17
